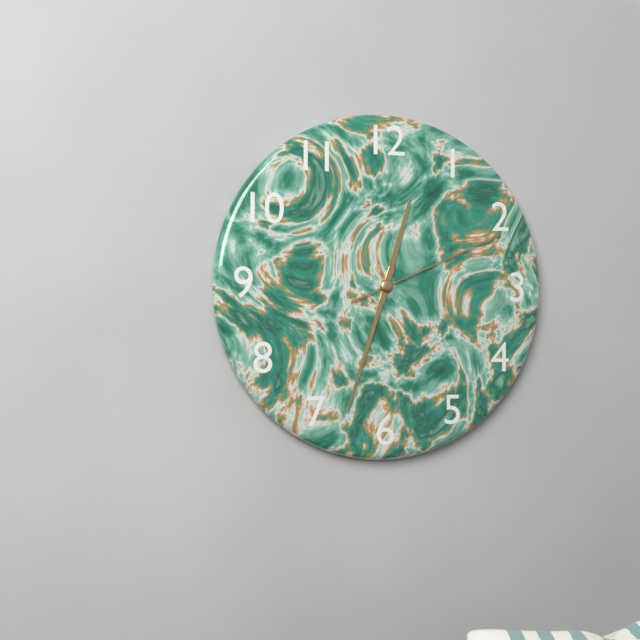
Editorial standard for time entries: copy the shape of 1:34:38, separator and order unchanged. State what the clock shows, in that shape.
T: 12:33:11
